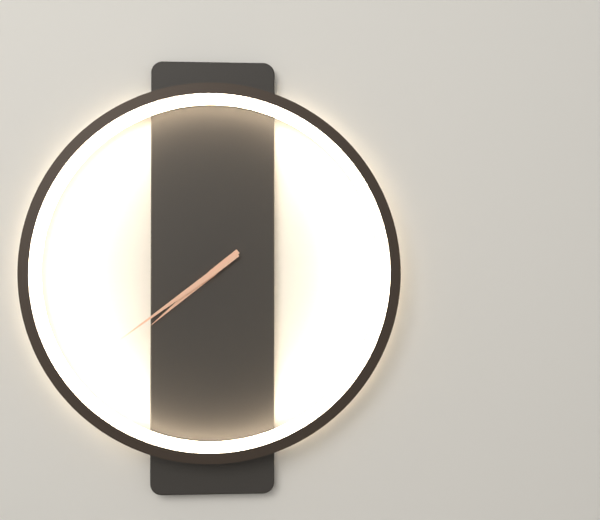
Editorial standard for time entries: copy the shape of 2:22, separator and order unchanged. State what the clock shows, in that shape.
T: 7:39
